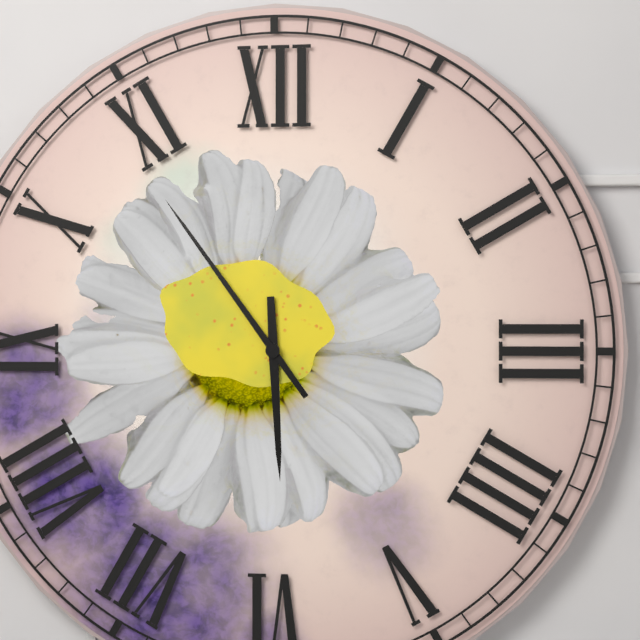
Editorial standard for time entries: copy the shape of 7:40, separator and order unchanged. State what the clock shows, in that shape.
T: 5:54
